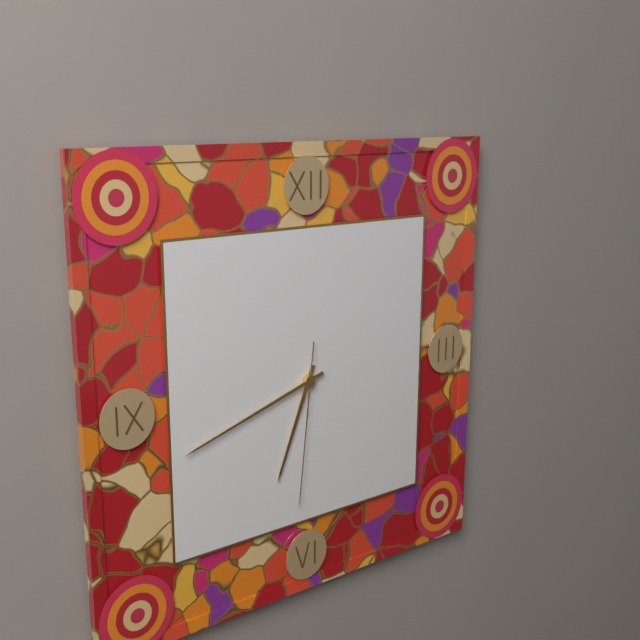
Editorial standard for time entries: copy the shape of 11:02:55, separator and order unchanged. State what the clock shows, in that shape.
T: 6:42:31
